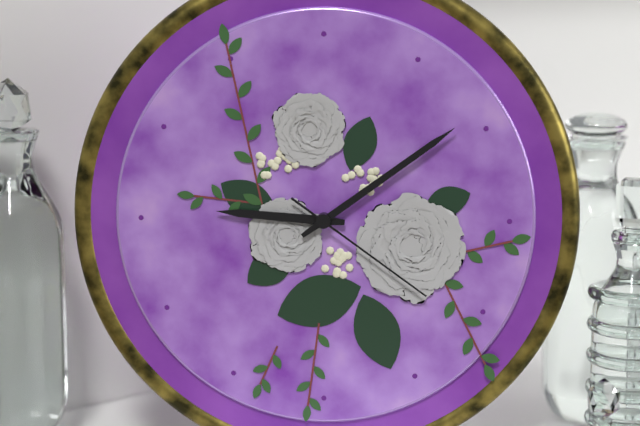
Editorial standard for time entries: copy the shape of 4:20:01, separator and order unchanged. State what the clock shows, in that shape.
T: 9:09:21
